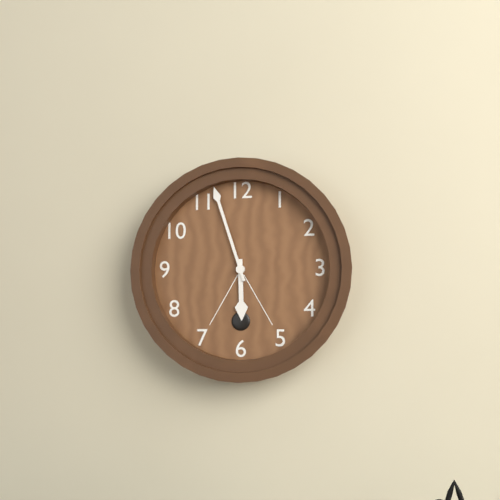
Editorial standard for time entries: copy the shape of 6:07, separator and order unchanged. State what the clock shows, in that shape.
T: 5:57
